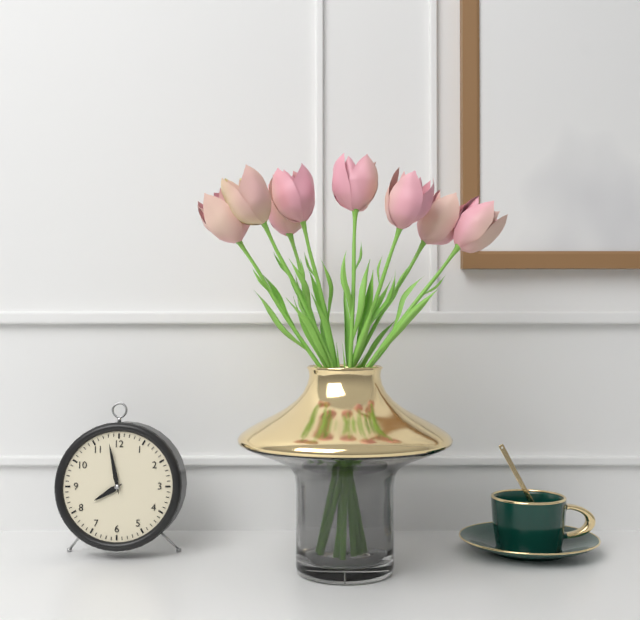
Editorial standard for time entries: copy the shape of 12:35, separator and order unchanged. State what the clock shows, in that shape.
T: 7:58
